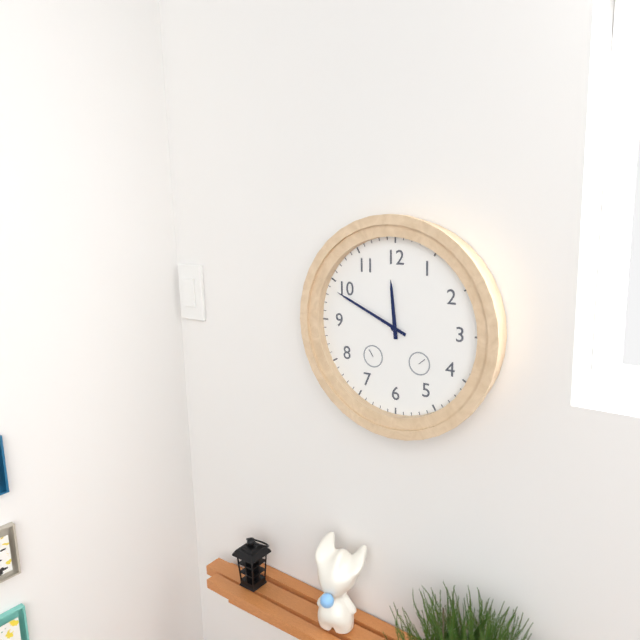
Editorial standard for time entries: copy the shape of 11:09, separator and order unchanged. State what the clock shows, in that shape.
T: 11:49
